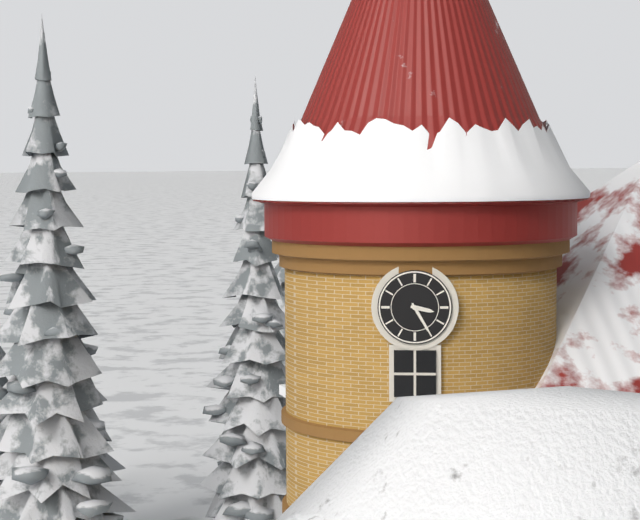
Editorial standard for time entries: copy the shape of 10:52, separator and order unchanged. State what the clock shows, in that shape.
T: 3:25
